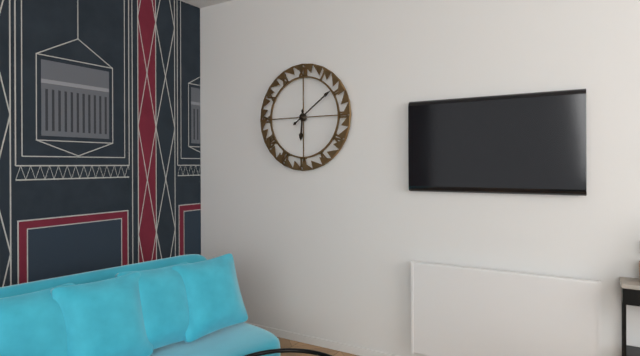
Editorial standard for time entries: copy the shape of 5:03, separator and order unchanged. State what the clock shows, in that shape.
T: 6:09
